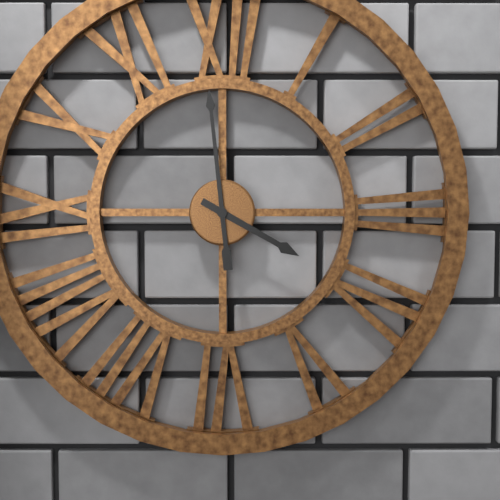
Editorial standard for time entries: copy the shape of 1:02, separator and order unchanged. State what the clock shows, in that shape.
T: 3:59
